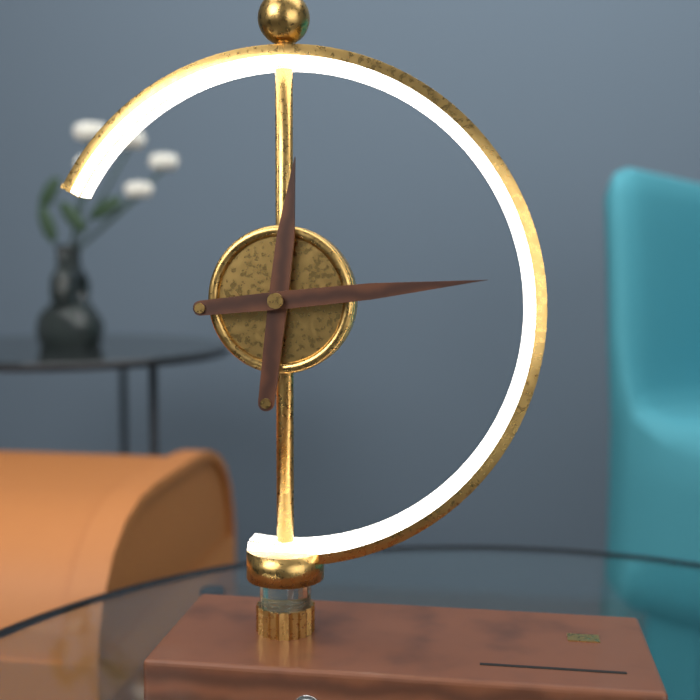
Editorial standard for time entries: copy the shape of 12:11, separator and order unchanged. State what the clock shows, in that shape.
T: 12:14
